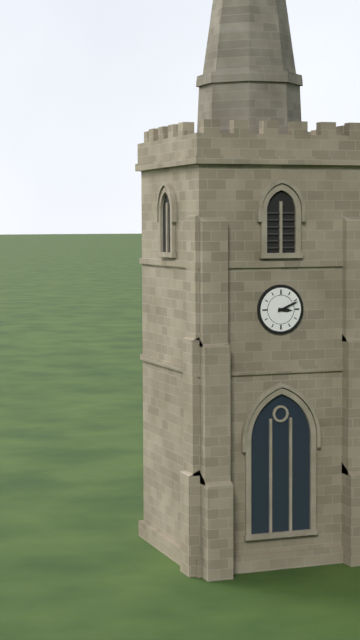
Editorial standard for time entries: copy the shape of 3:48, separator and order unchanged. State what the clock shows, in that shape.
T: 3:11
